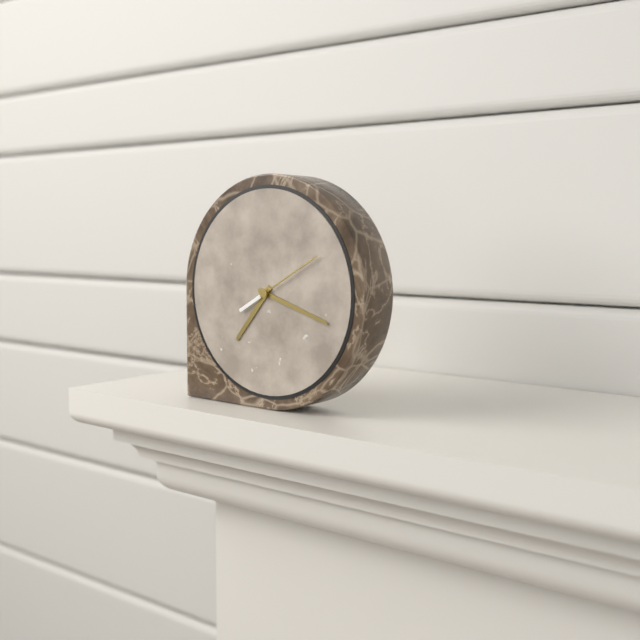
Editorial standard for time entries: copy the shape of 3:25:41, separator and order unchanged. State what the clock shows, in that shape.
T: 7:18:10
